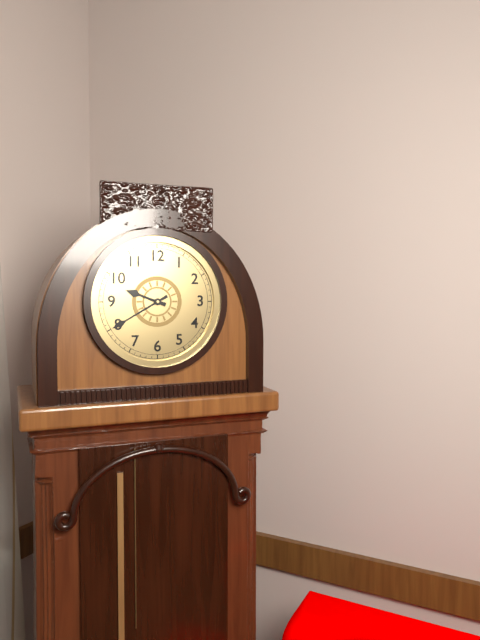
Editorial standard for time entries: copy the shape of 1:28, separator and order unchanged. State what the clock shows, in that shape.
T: 9:40
